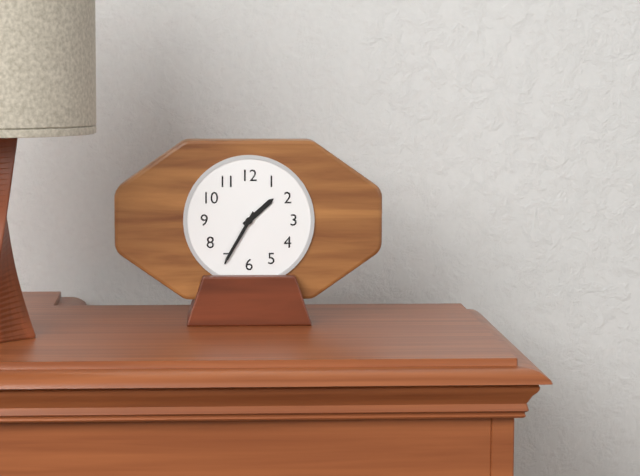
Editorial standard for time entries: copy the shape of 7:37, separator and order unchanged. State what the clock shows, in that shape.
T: 1:35
